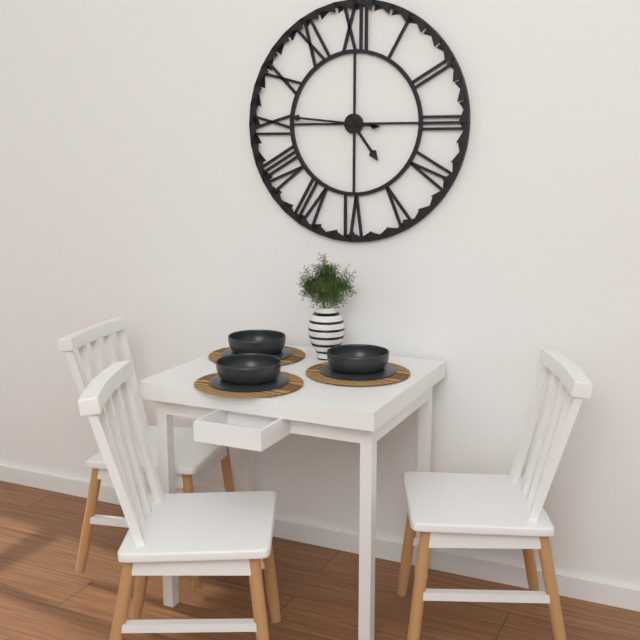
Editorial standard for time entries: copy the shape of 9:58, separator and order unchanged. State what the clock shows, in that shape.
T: 4:46
